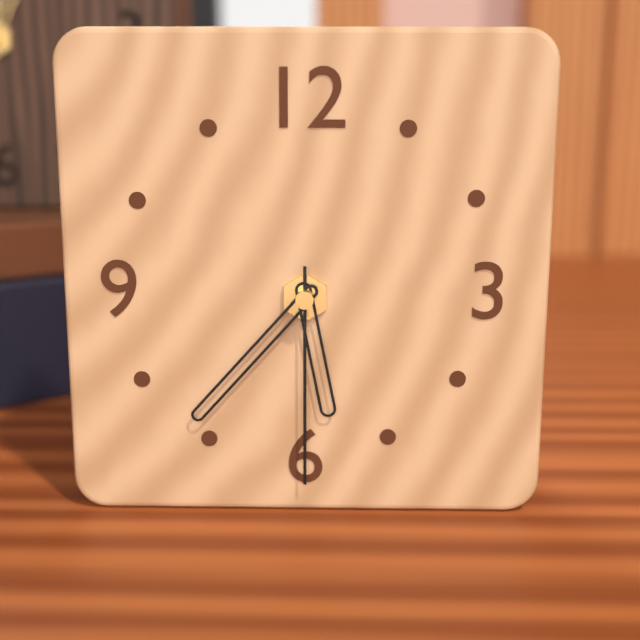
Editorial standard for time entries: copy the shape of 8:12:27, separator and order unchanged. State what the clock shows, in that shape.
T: 5:37:30
